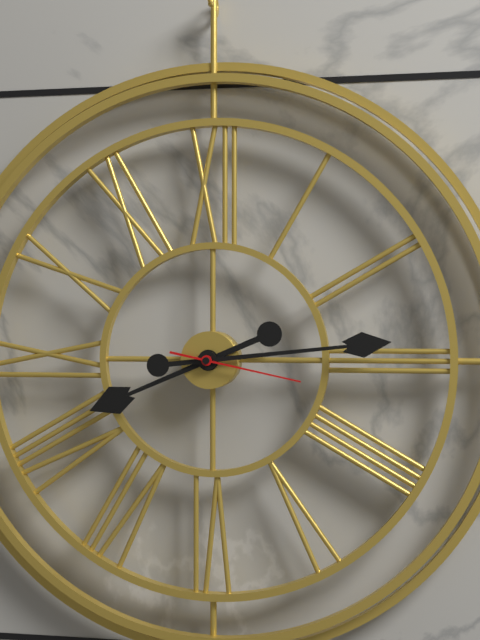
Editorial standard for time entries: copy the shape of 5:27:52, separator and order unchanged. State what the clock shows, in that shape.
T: 8:14:17
